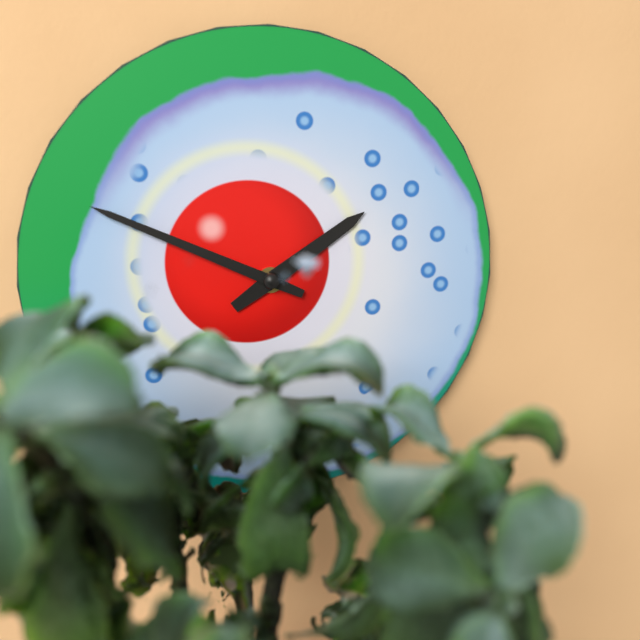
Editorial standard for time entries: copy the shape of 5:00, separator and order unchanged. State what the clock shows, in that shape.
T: 1:49
